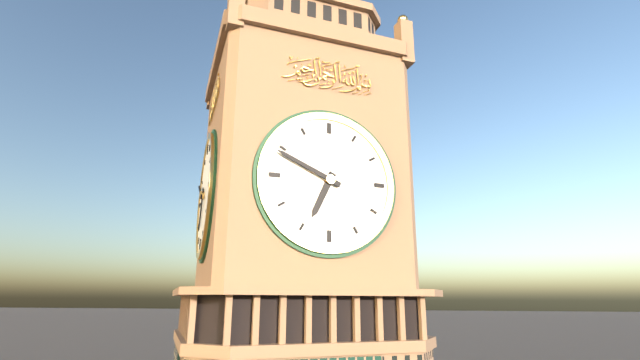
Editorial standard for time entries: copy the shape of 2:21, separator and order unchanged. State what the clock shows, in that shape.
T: 6:49
